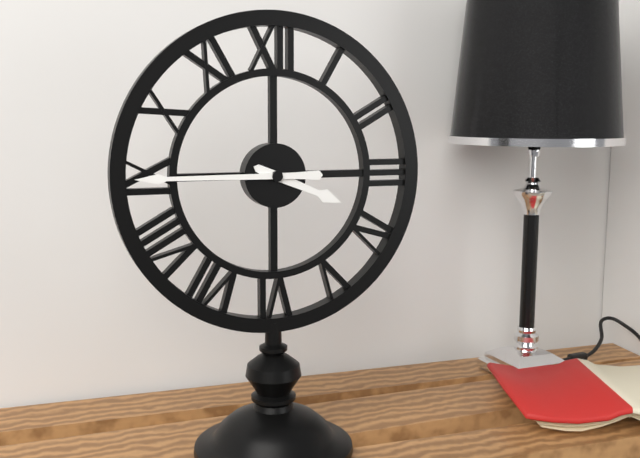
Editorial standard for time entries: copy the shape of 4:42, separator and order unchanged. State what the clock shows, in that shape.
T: 3:45
